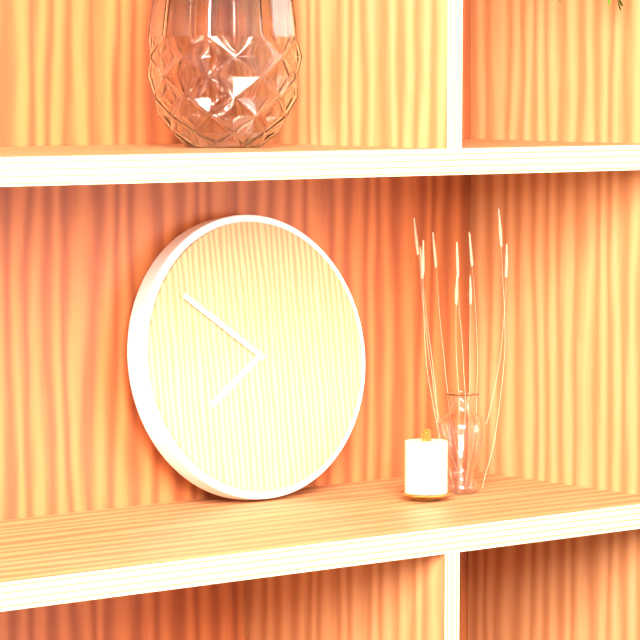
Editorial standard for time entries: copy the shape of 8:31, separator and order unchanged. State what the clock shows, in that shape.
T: 7:51
